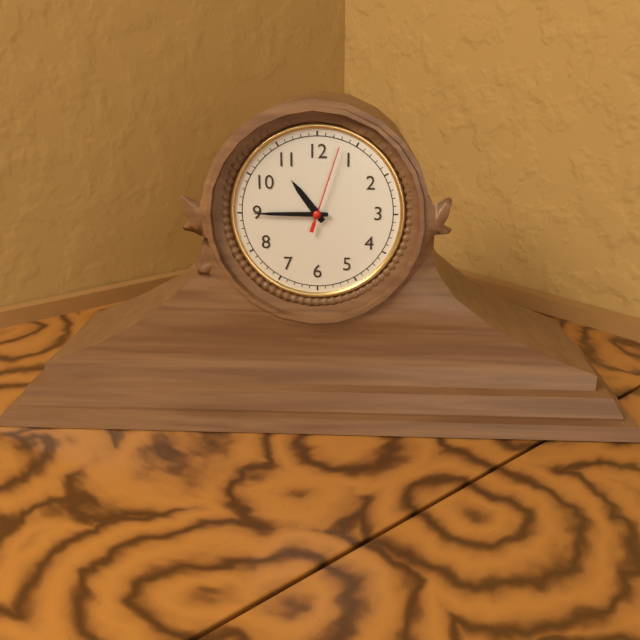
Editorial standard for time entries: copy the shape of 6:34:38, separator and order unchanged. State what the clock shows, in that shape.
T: 10:45:03
